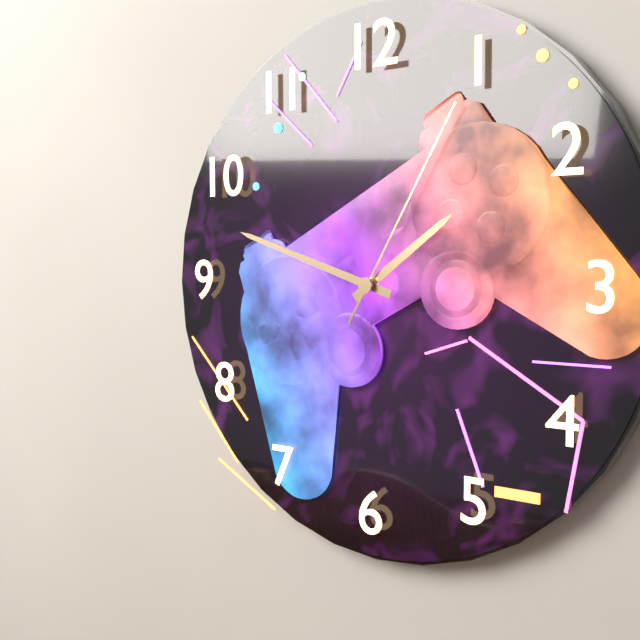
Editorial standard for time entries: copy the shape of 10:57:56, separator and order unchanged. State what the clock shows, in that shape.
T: 1:48:05
